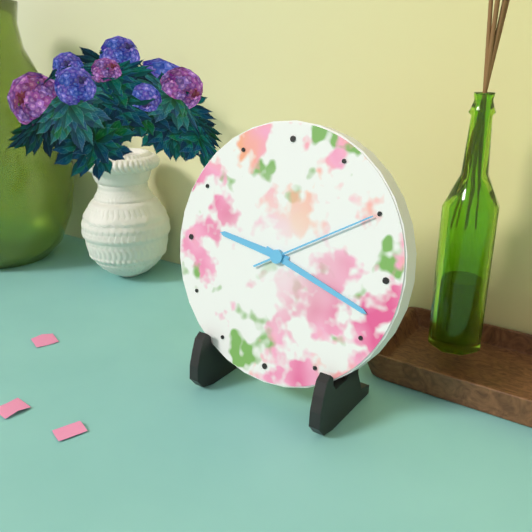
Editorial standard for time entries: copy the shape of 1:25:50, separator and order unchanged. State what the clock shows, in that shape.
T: 9:18:10
